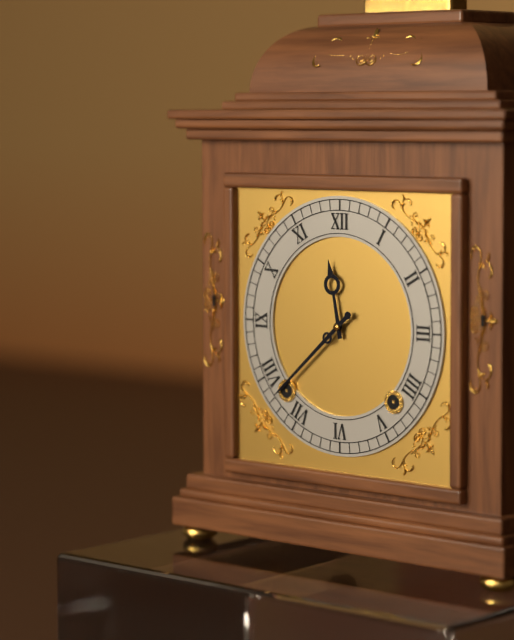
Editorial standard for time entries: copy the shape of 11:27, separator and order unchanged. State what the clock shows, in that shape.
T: 11:38
